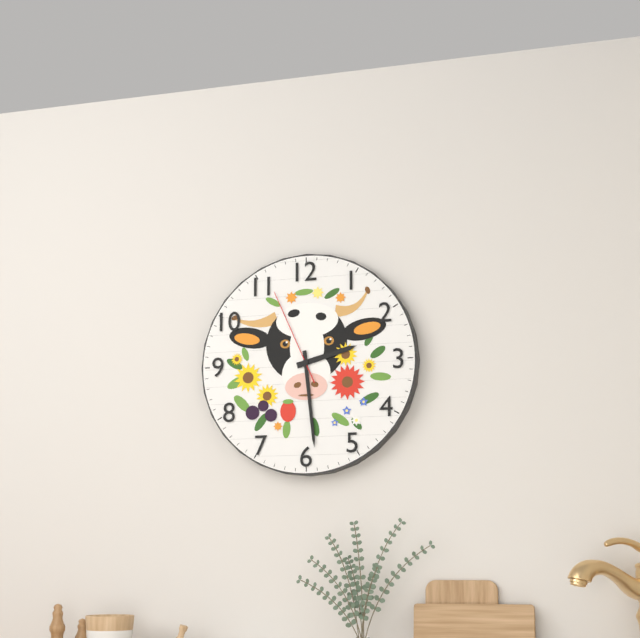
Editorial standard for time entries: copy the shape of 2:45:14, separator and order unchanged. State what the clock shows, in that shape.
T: 2:29:56
